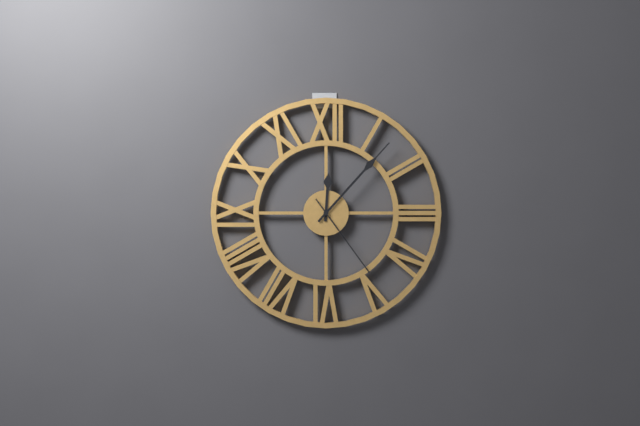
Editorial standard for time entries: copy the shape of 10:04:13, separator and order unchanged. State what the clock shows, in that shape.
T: 12:07:24
